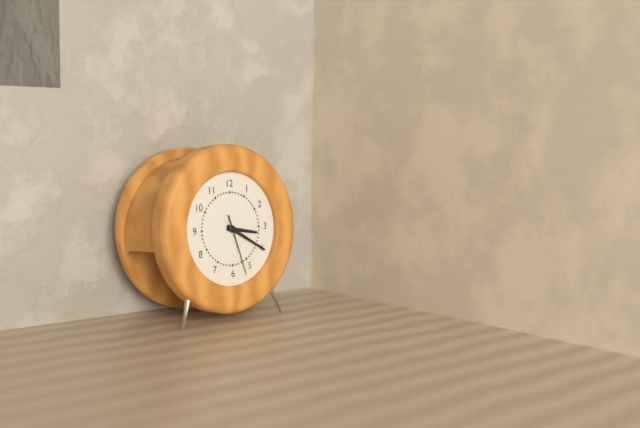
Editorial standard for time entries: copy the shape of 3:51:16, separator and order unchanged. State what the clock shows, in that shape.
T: 3:20:27
